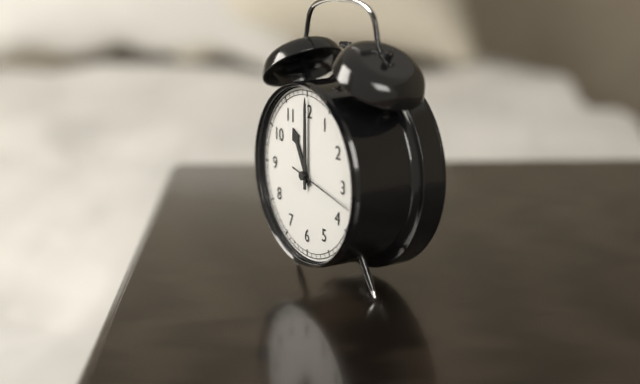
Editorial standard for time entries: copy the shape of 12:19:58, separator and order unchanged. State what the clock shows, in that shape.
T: 11:00:17
